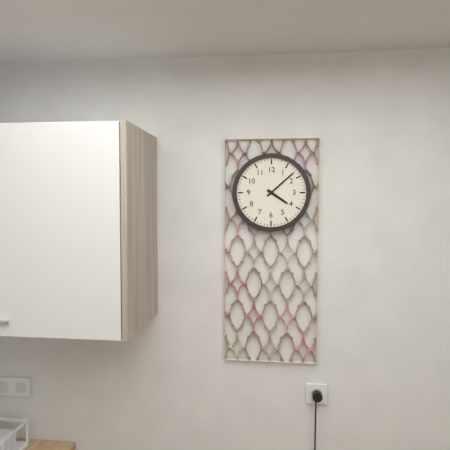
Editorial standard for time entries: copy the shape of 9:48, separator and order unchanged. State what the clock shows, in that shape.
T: 4:08
